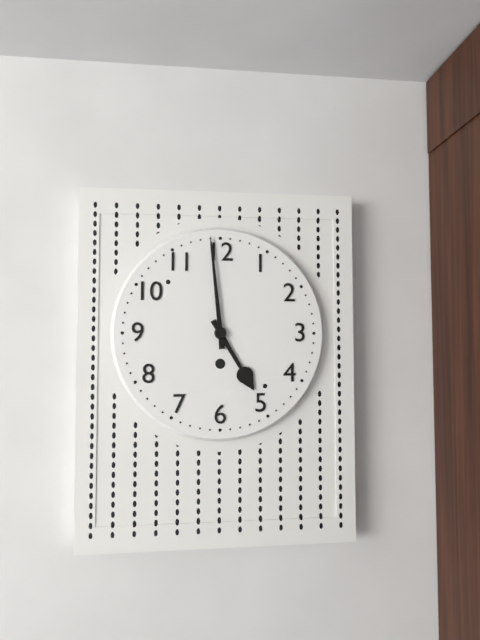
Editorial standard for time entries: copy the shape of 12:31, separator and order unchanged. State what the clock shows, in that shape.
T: 4:59
